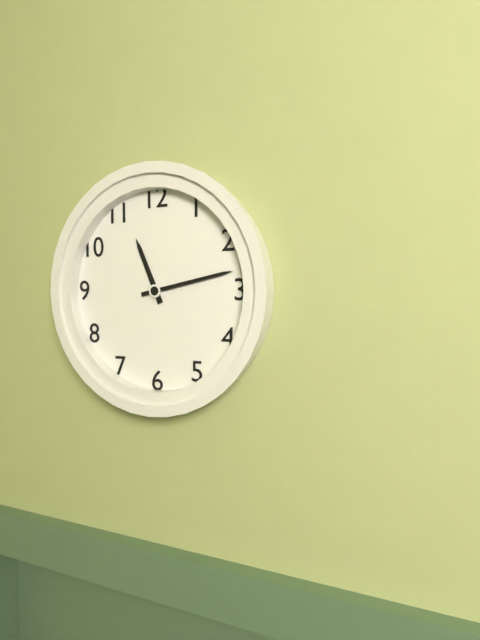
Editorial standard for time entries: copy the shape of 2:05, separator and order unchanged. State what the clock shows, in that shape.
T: 11:13
